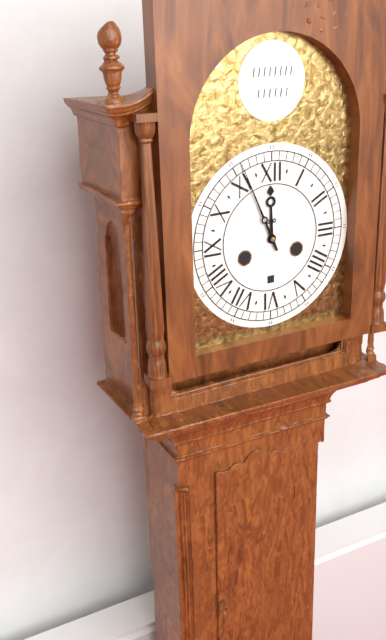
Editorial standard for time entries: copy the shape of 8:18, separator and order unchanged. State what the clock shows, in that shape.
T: 11:56
